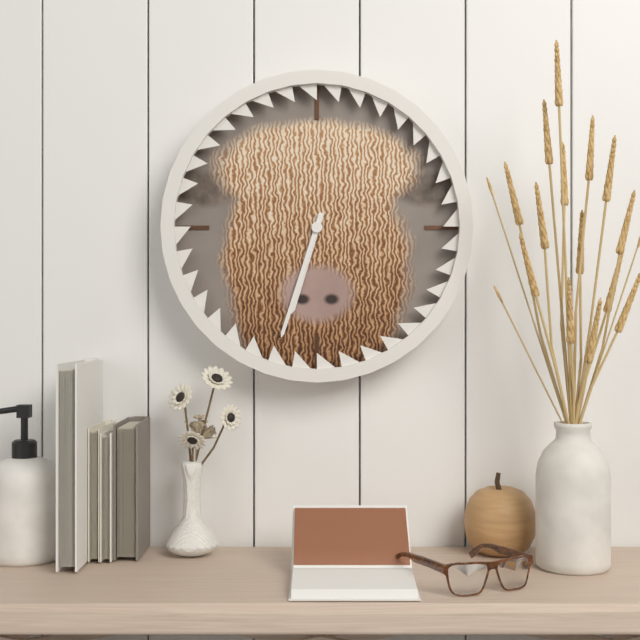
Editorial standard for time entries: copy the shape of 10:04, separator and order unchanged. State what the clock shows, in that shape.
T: 6:33
